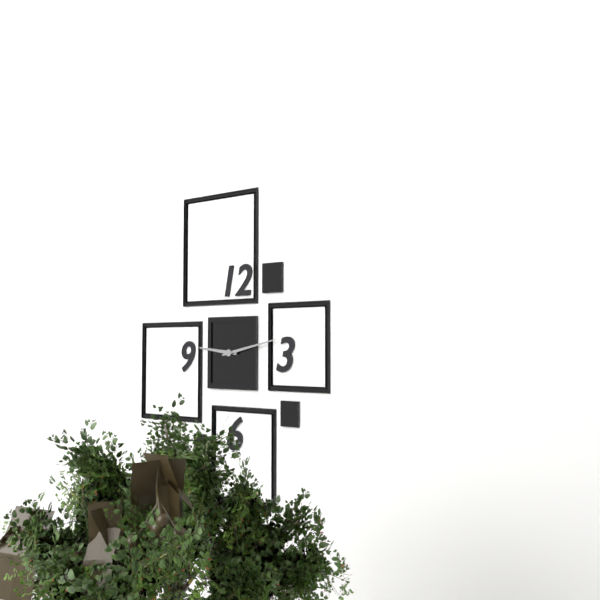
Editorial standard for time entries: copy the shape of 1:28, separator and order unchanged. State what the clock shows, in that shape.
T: 9:13
